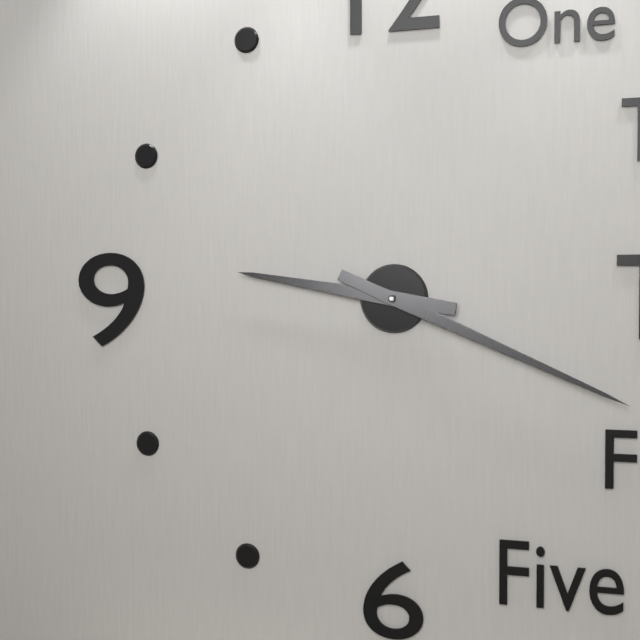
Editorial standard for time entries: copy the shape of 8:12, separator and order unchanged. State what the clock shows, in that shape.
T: 9:19
